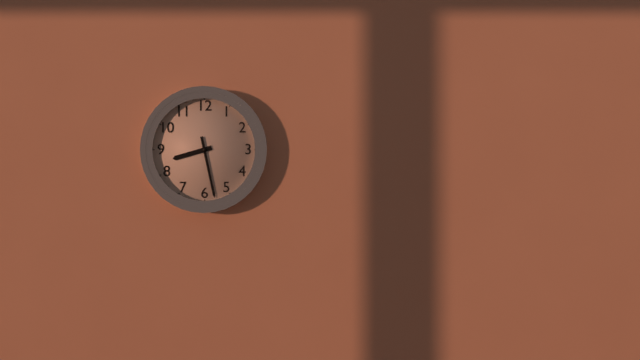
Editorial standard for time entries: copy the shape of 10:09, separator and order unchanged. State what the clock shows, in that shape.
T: 8:28
